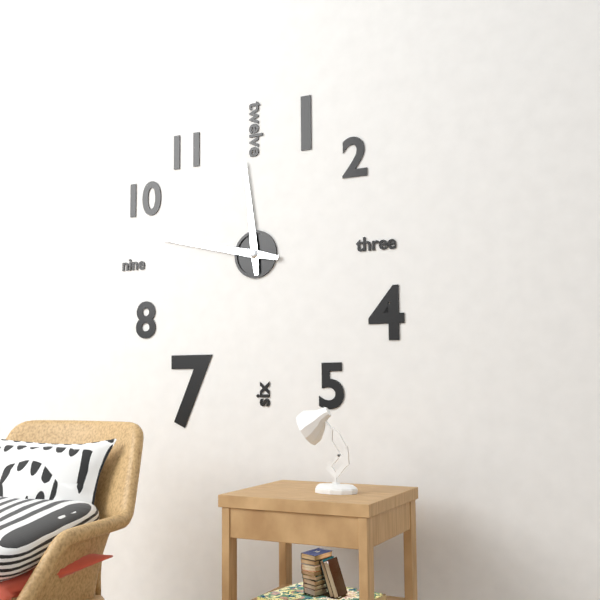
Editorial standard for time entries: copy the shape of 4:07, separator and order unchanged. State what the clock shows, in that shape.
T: 11:47
